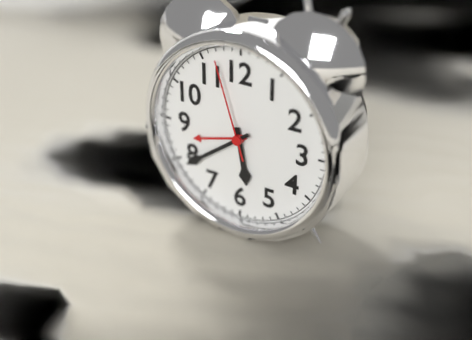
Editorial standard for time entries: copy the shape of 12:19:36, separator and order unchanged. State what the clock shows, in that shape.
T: 5:39:57
